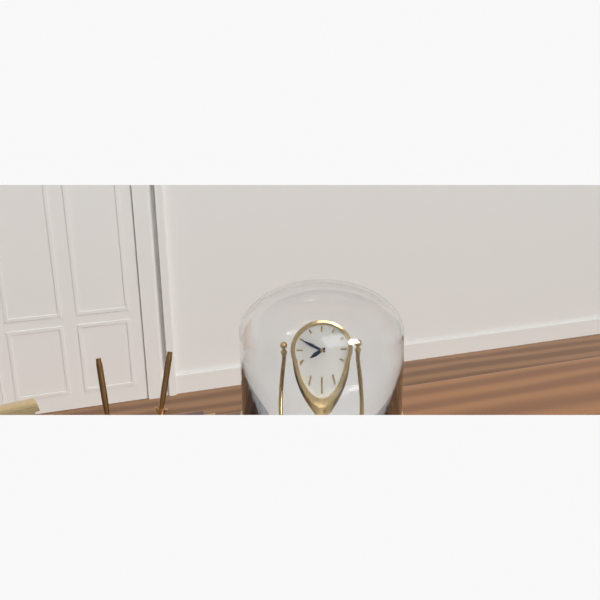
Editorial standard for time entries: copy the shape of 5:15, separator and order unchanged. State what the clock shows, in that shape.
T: 7:50
